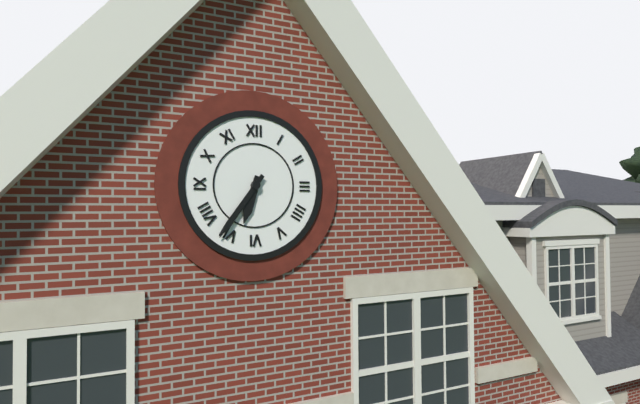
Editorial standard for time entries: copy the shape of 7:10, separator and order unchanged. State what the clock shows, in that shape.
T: 6:36
